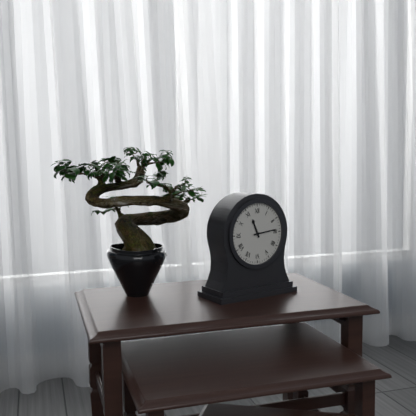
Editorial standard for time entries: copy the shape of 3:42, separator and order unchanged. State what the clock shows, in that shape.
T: 11:14
